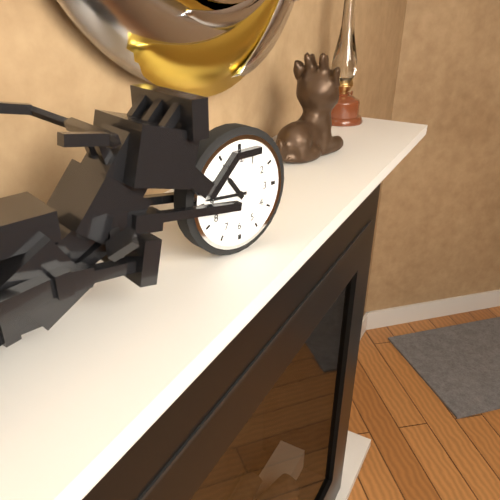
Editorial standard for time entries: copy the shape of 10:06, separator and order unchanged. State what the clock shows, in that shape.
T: 10:46
